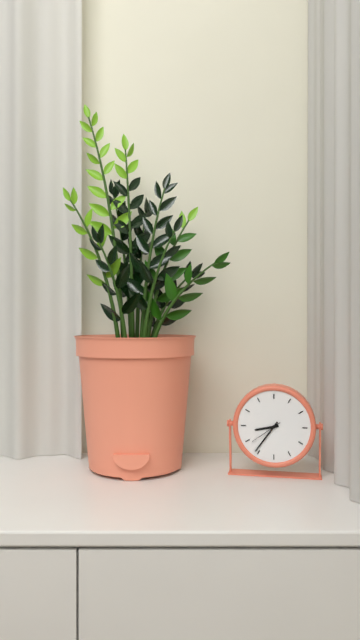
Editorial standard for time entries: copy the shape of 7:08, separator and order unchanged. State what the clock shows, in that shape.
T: 8:36
